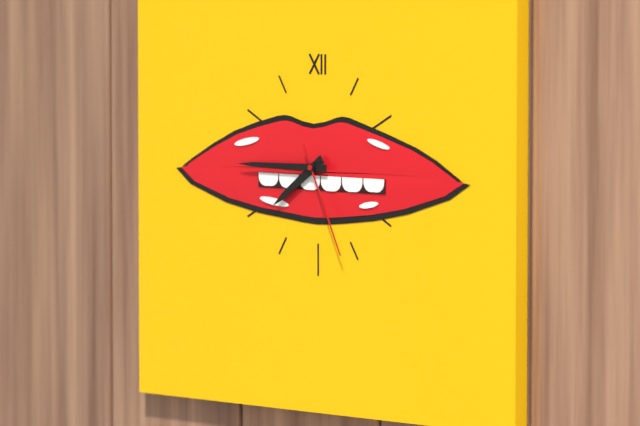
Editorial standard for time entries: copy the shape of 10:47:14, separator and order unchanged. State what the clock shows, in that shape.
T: 7:45:26
